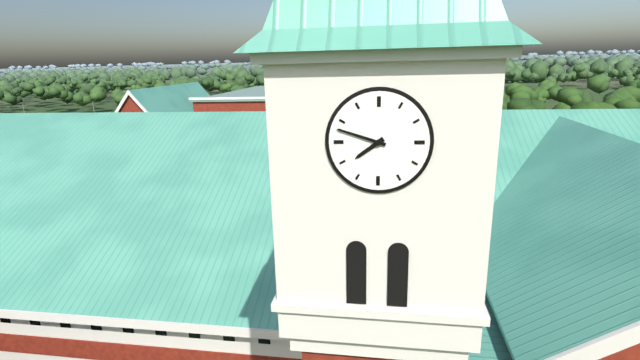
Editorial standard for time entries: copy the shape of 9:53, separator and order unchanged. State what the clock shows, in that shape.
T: 7:48
